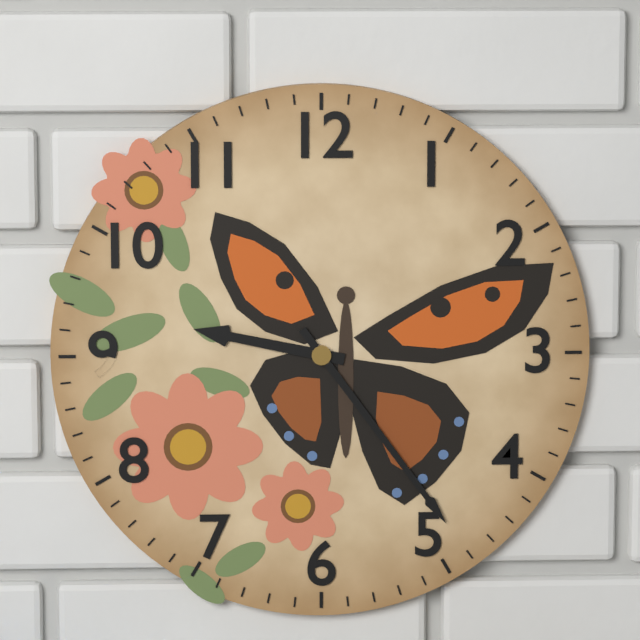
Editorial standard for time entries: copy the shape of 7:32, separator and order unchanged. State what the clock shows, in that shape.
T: 9:24
